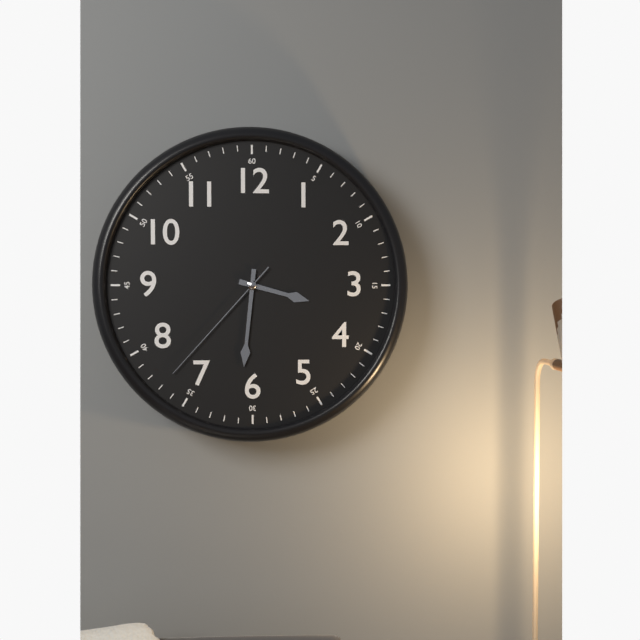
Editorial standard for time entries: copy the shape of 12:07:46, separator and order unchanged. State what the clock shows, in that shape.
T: 3:31:37
